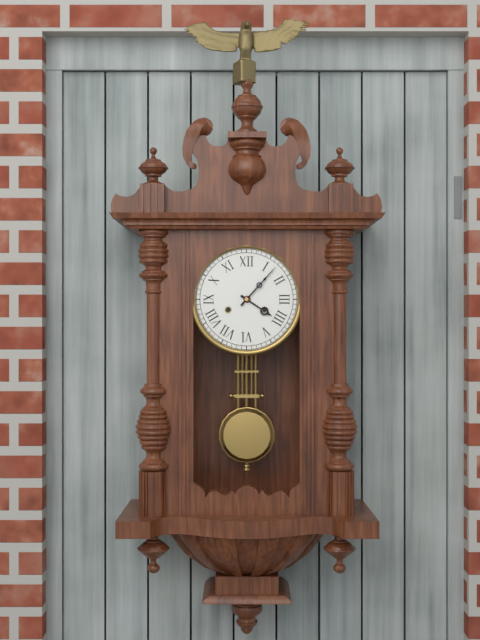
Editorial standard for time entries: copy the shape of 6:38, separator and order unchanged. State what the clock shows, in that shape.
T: 4:07
